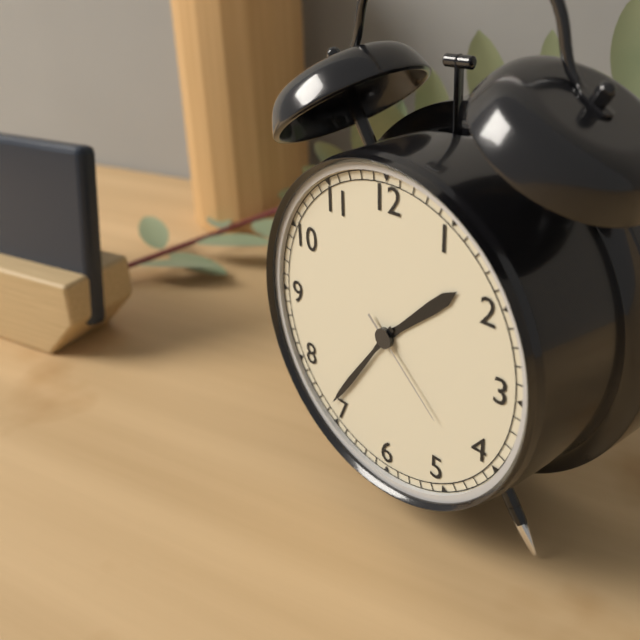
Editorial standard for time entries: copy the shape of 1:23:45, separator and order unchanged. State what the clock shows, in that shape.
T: 1:36:22
